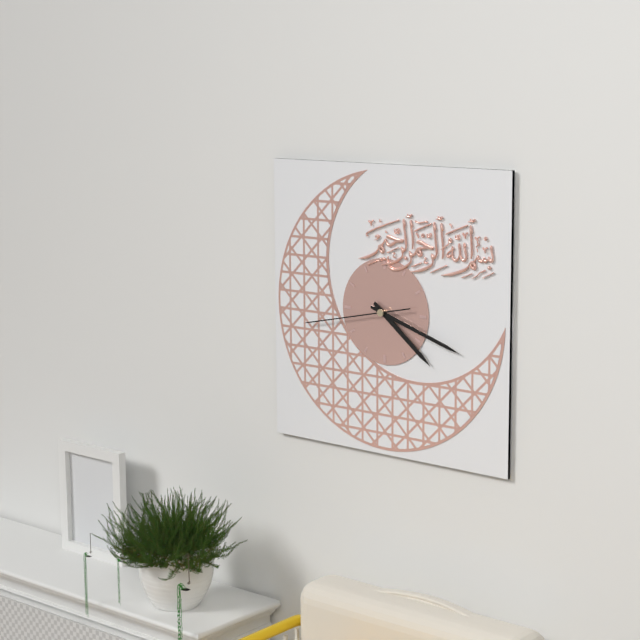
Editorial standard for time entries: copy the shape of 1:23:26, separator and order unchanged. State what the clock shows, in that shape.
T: 4:18:43
